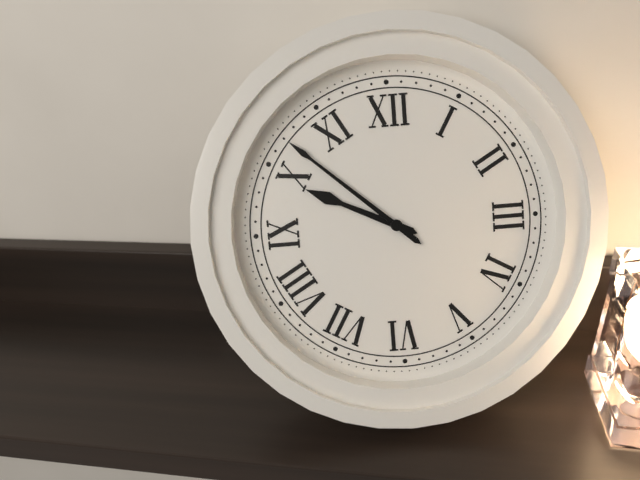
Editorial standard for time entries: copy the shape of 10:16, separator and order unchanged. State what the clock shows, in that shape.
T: 9:52
